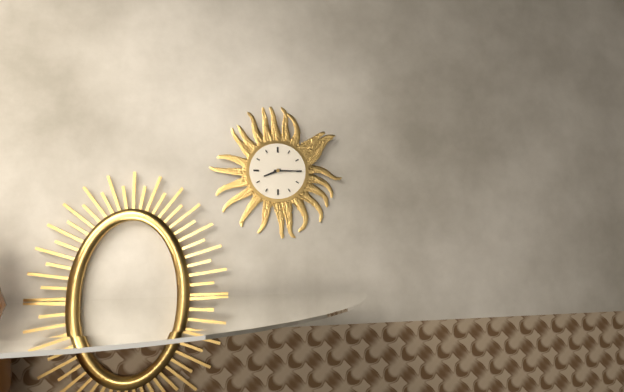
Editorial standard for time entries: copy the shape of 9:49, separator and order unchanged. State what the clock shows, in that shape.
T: 8:15
